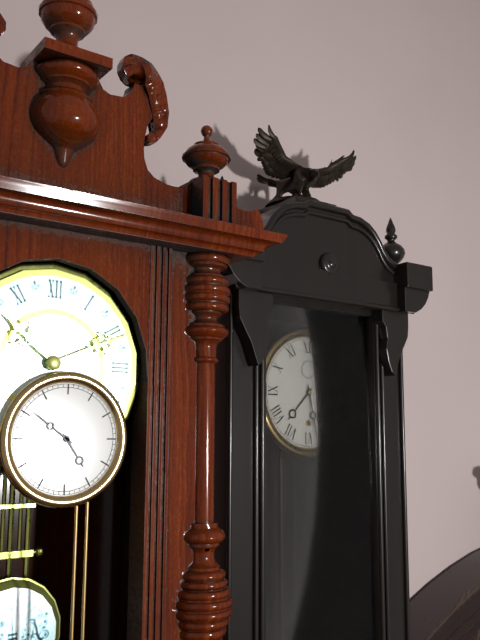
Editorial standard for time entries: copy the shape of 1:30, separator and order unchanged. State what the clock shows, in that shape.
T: 7:28
